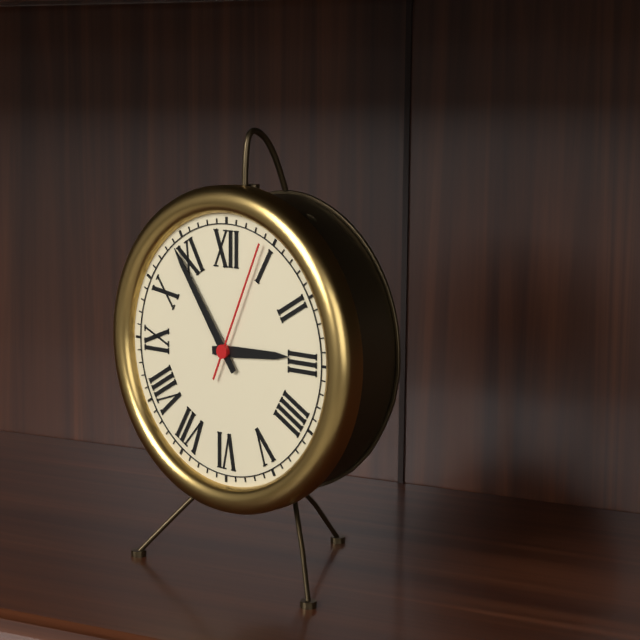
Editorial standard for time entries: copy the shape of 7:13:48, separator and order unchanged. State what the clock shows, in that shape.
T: 2:54:04
